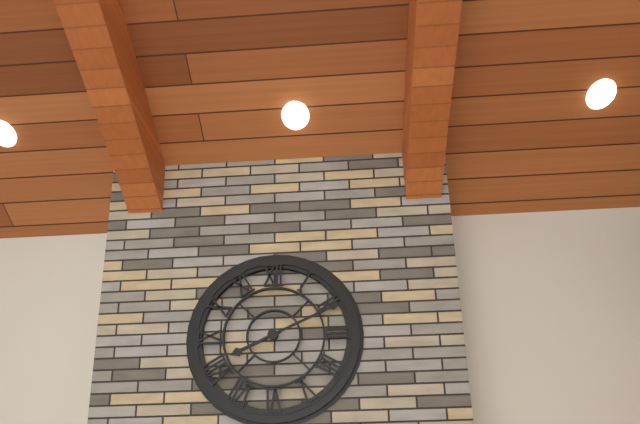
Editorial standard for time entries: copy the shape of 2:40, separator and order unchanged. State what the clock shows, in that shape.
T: 8:11
